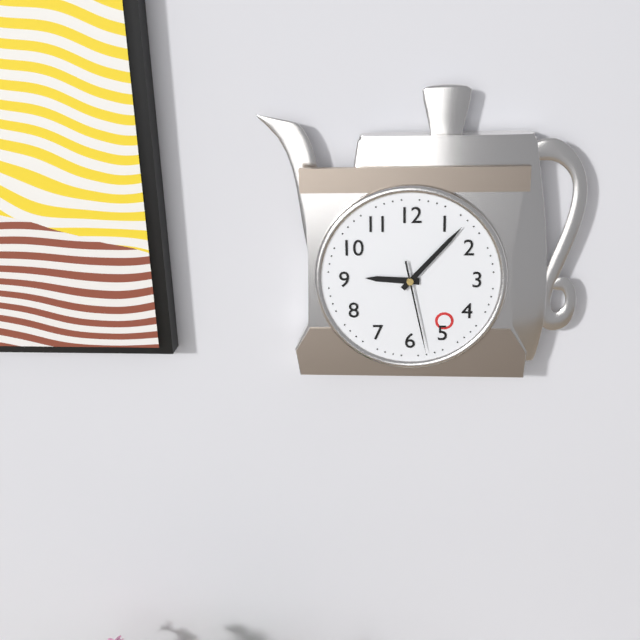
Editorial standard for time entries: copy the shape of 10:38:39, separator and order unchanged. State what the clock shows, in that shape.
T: 9:07:28
